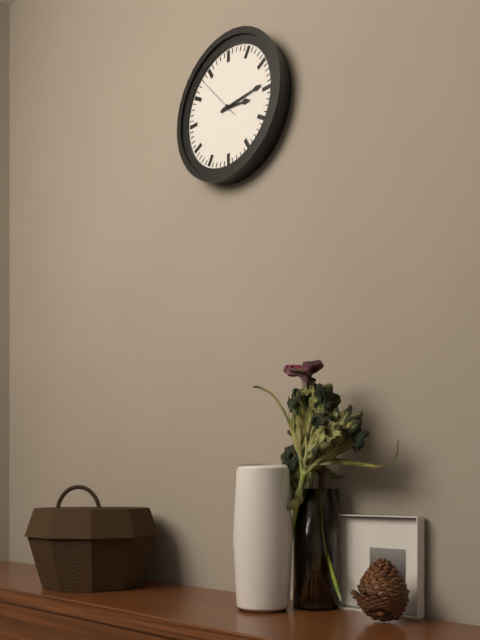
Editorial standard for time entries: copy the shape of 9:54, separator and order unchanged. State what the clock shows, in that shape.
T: 3:14
